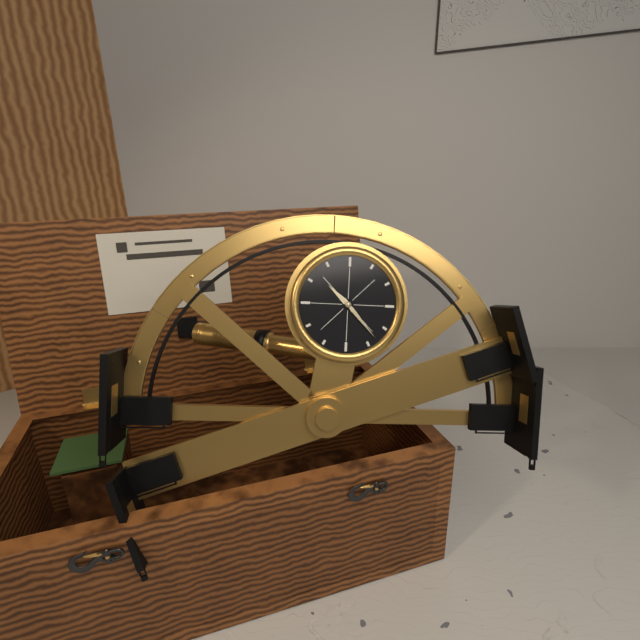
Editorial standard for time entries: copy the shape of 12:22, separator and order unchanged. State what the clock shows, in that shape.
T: 10:23
